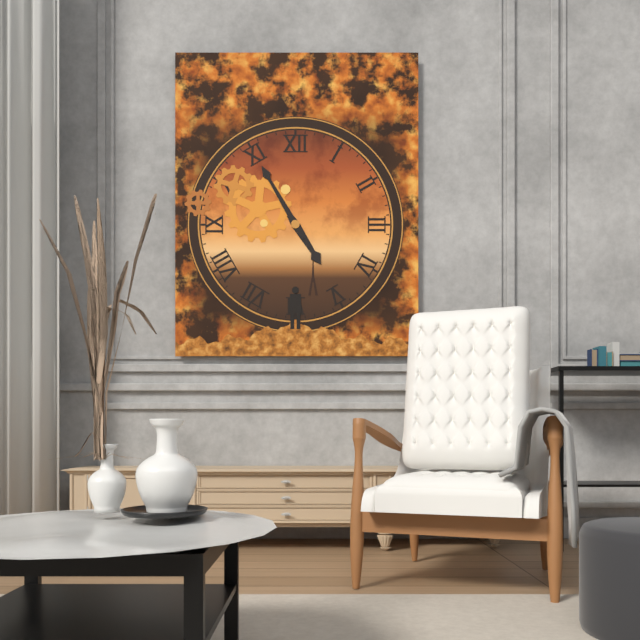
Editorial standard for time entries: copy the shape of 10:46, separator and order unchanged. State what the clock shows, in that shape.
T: 4:55
